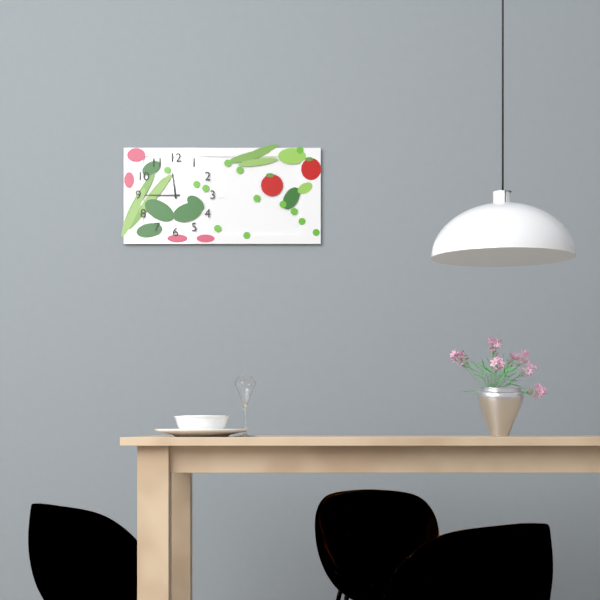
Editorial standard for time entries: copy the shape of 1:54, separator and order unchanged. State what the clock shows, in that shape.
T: 11:45
